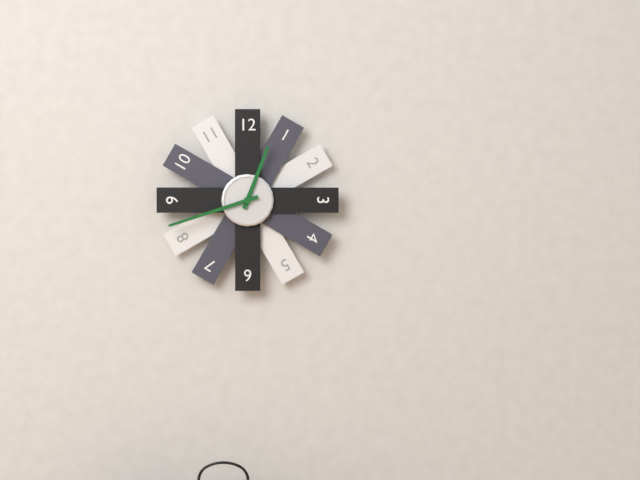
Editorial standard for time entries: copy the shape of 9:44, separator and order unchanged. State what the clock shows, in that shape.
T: 12:42
